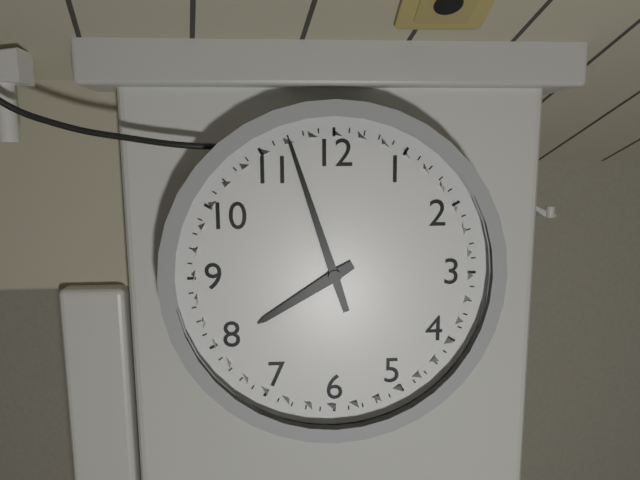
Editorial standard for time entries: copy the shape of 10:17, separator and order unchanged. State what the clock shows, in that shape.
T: 7:57
